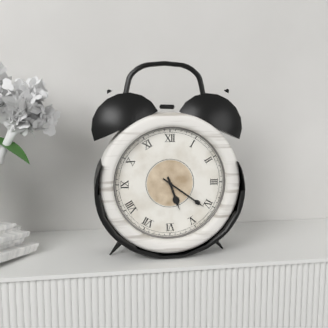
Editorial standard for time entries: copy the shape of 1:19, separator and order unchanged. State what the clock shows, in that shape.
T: 5:21
